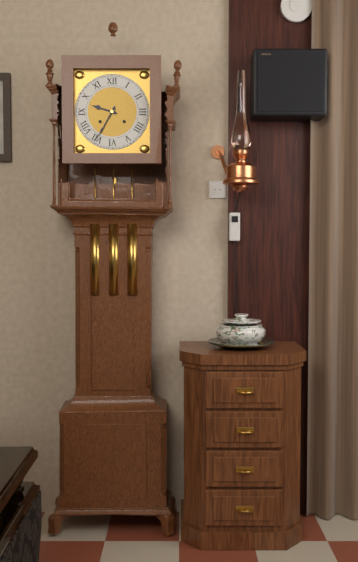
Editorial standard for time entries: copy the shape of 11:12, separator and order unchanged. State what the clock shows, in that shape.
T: 9:35
